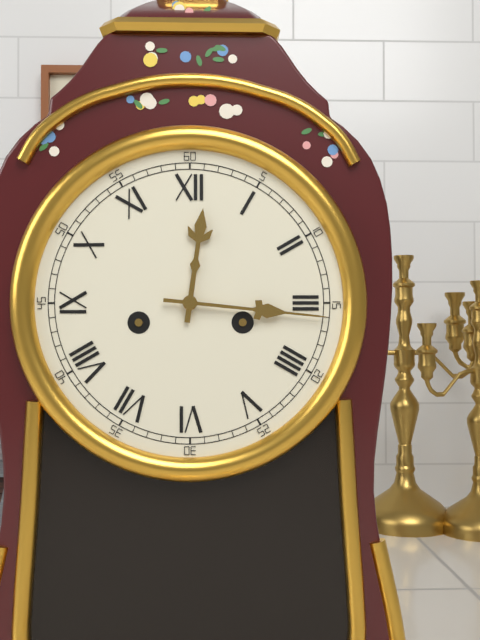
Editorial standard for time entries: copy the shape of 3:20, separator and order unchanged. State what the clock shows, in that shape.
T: 12:16
